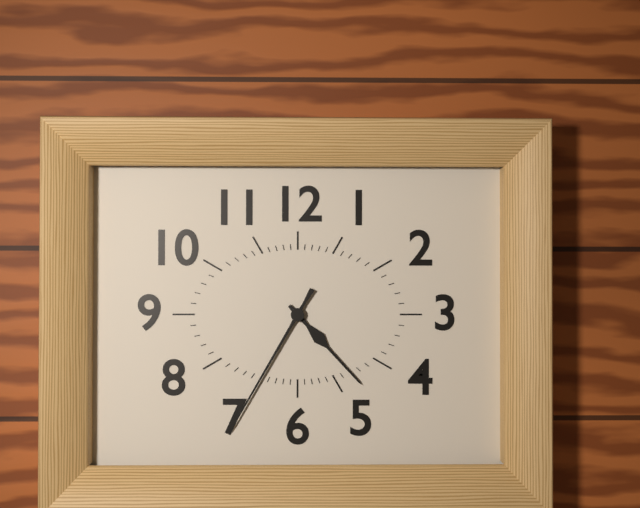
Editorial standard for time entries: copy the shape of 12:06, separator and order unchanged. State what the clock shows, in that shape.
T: 4:35
